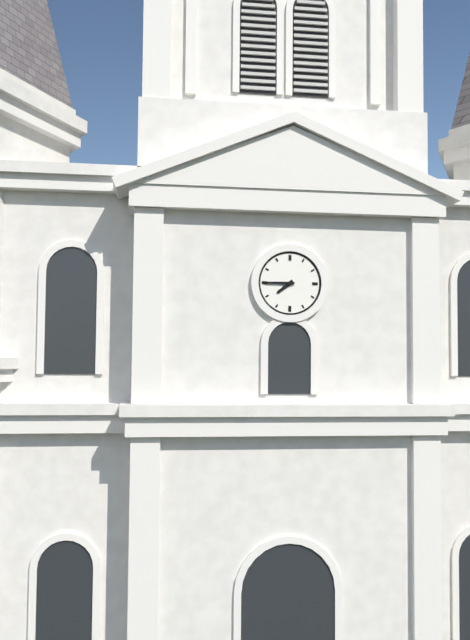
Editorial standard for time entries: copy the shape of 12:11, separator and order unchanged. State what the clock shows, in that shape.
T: 7:45
